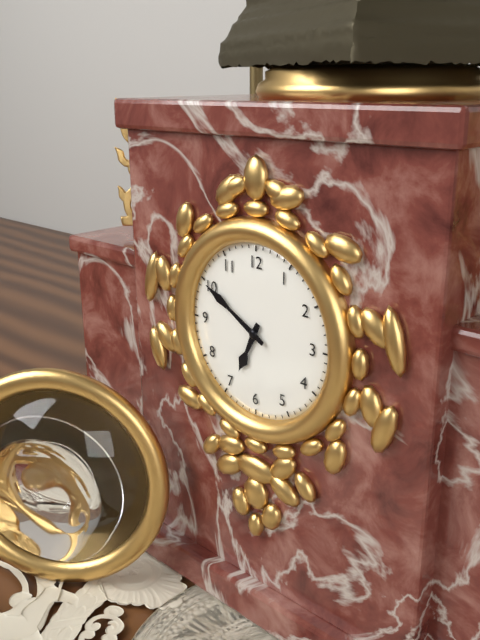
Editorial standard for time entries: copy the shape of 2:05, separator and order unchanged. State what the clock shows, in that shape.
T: 6:50
